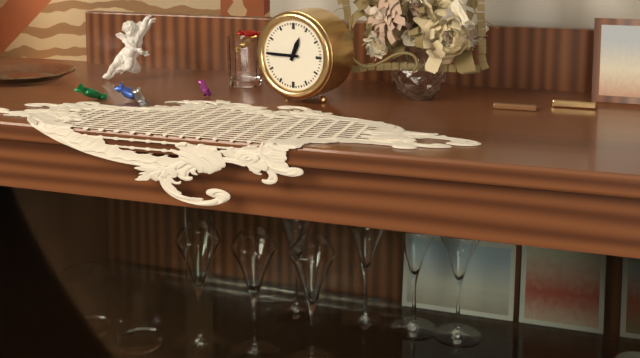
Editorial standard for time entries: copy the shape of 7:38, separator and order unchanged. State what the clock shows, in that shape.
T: 12:45
